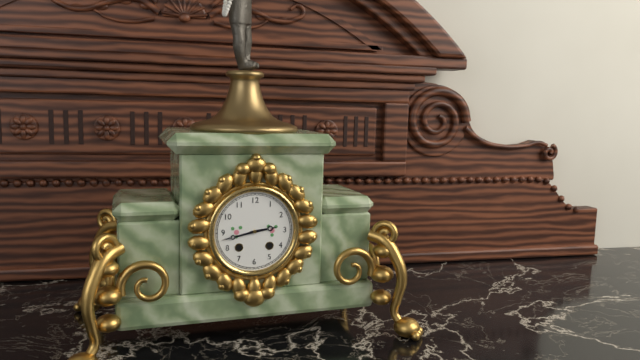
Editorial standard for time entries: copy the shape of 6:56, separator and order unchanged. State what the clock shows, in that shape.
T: 2:43
